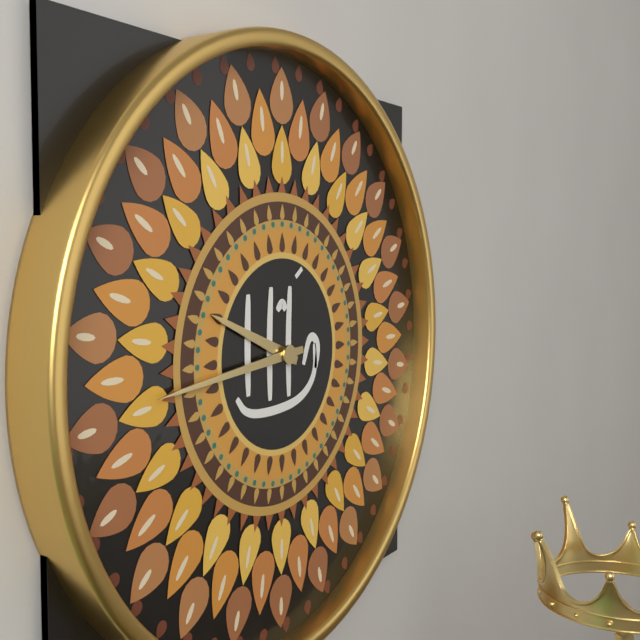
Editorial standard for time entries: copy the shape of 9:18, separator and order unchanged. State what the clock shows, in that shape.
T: 9:44
